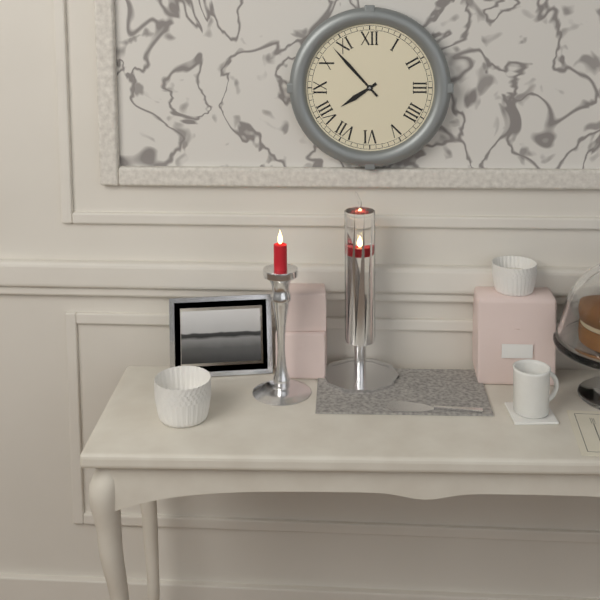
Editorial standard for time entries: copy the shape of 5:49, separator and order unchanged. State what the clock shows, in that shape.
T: 7:53
